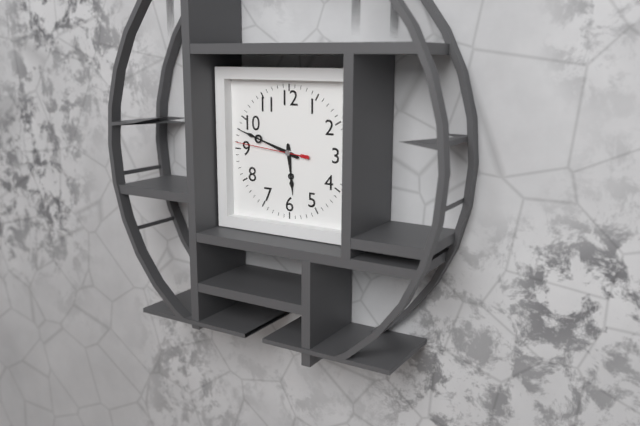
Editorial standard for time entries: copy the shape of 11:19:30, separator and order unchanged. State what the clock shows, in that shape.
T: 5:48:46
